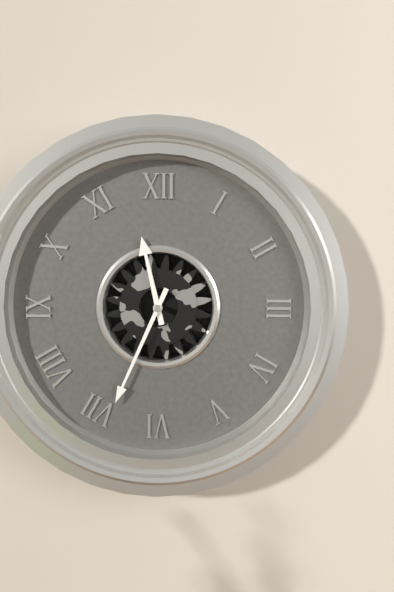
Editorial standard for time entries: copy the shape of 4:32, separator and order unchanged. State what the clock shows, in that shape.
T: 11:34
